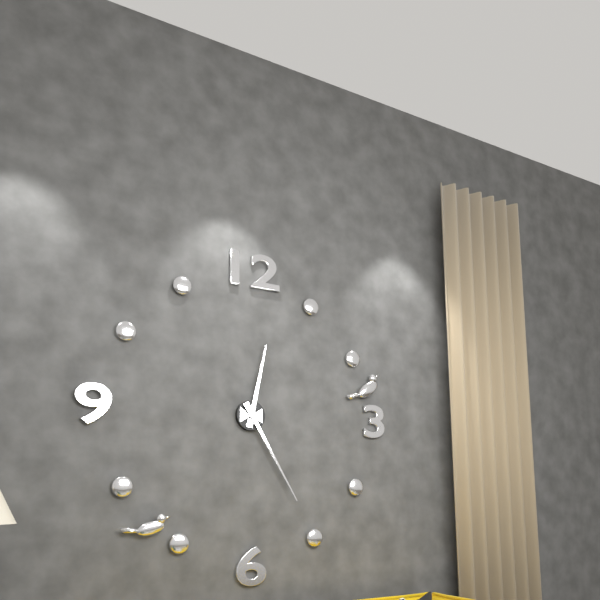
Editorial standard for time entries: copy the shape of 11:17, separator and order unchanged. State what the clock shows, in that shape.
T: 12:25
